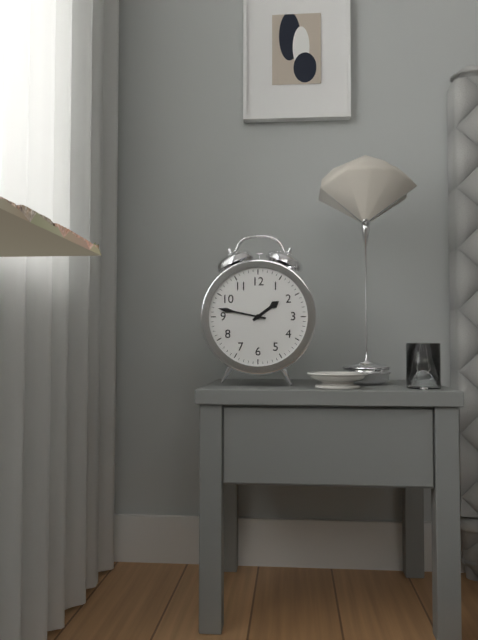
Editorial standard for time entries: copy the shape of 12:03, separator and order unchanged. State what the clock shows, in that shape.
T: 1:47
